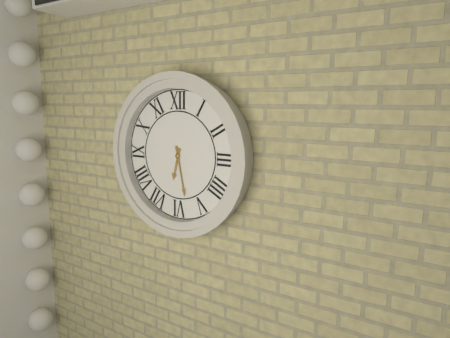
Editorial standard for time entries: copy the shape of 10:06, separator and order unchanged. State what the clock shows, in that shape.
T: 6:28
